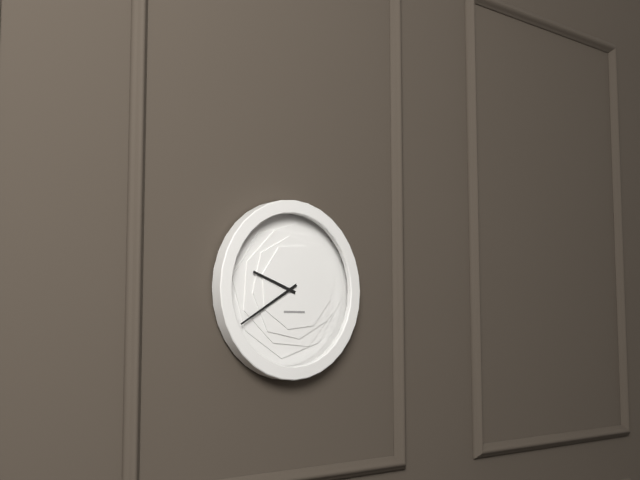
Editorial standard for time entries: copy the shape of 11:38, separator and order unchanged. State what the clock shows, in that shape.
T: 9:40
